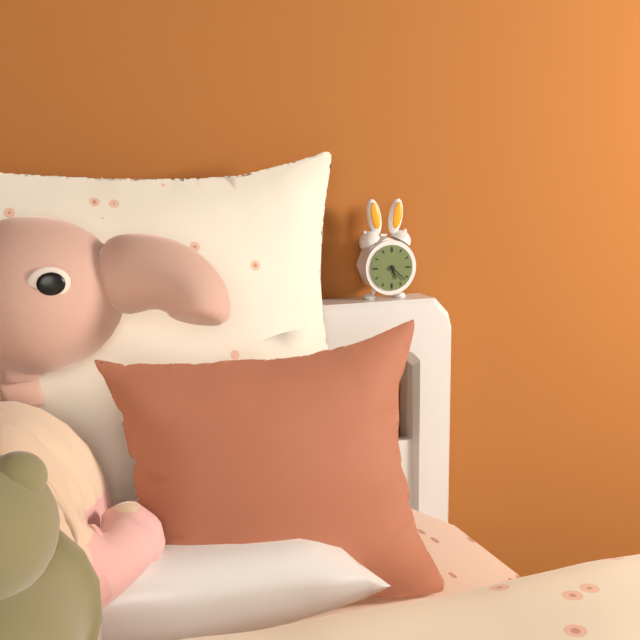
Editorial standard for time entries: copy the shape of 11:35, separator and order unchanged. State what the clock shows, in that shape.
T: 5:22
